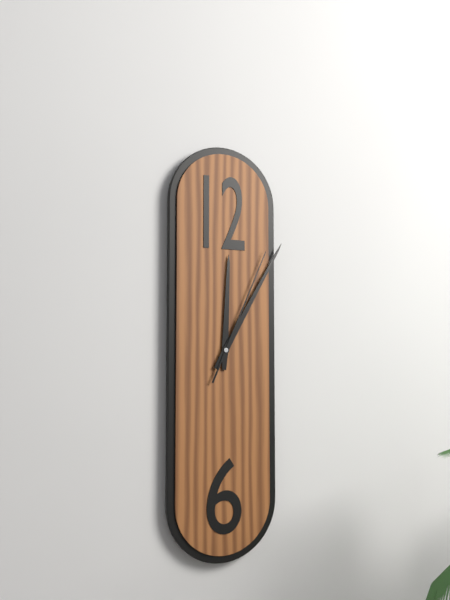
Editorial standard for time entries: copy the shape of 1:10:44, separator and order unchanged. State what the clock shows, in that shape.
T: 12:05:04
